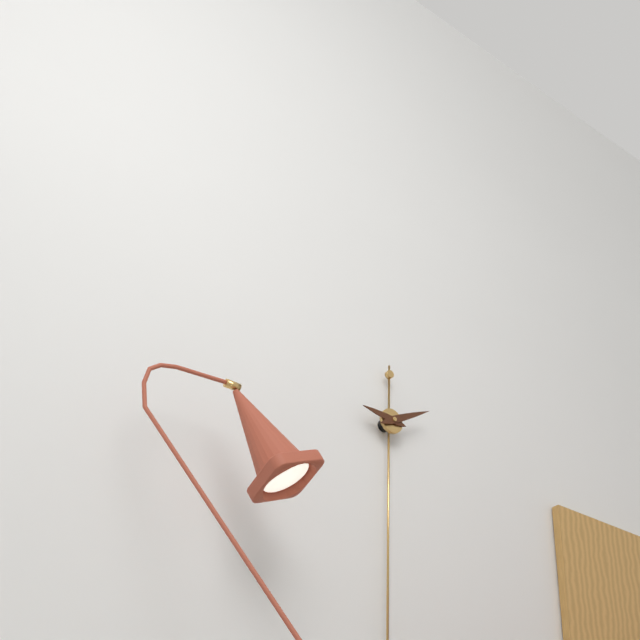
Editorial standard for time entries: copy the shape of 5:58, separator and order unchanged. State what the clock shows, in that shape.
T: 9:10
